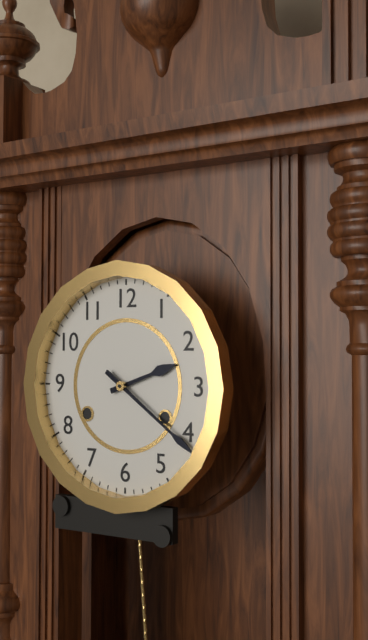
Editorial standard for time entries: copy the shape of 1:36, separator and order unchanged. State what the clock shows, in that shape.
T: 2:21
